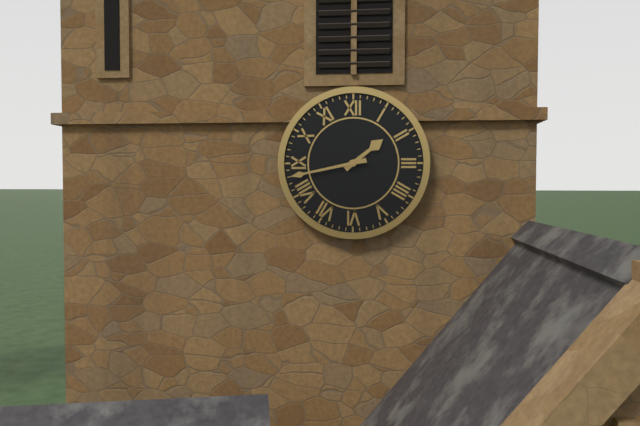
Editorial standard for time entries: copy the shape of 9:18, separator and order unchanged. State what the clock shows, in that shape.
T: 1:43
